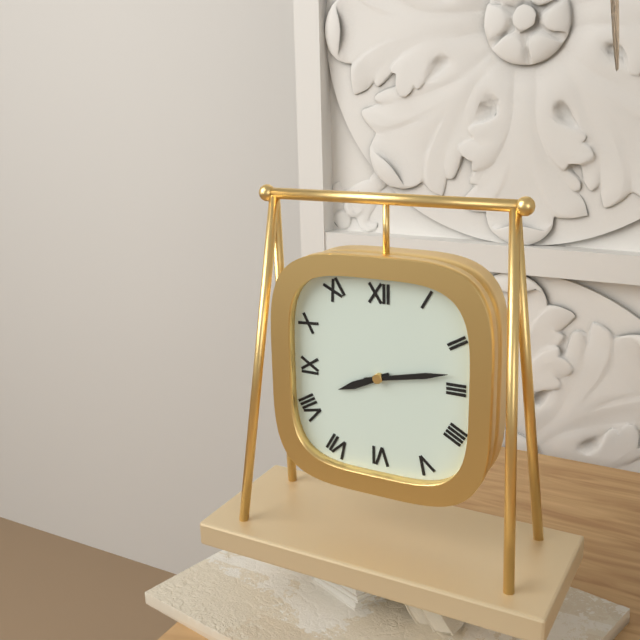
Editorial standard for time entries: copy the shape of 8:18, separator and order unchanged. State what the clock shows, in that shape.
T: 8:13
